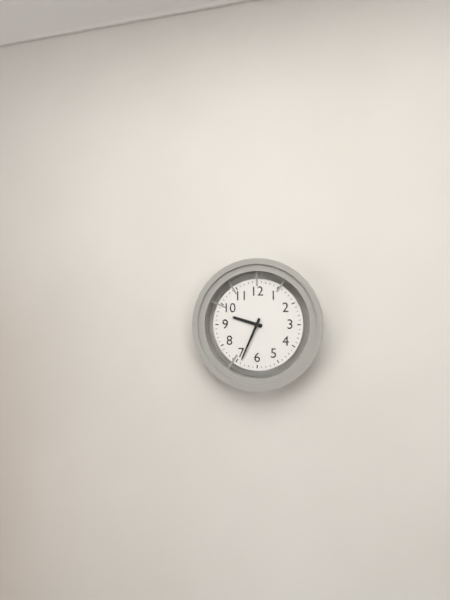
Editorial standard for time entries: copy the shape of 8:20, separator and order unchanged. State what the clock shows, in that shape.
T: 9:34
